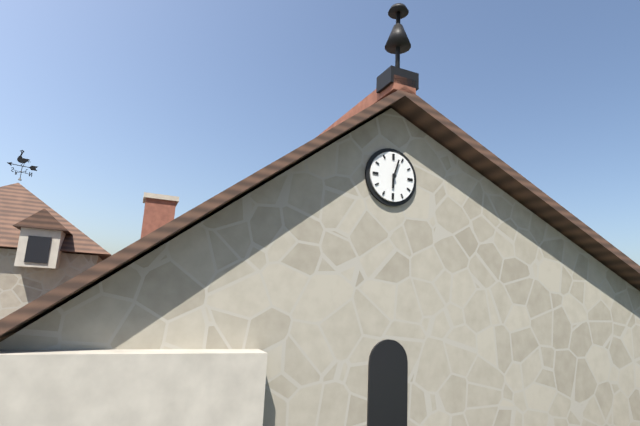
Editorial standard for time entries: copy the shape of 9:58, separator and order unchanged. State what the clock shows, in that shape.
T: 6:03
